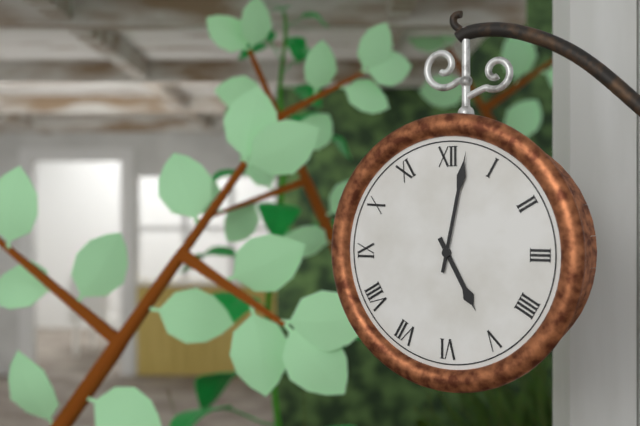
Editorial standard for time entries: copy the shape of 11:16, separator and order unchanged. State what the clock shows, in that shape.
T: 5:02
